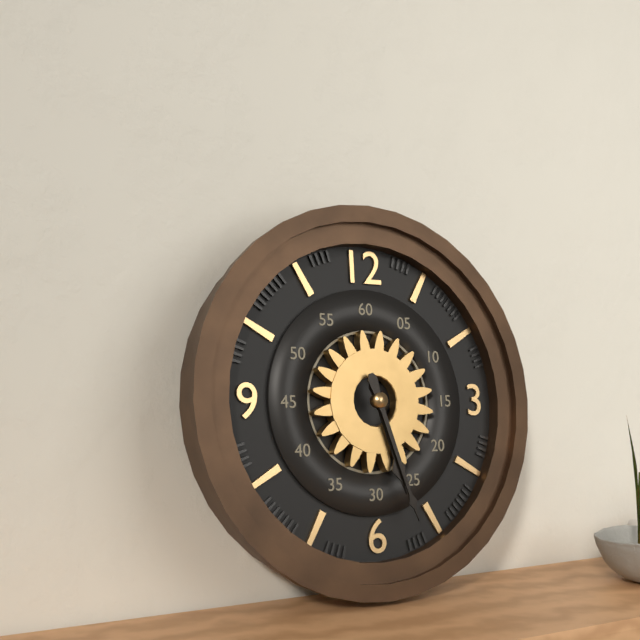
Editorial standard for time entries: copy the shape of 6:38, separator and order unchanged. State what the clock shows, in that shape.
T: 5:27
